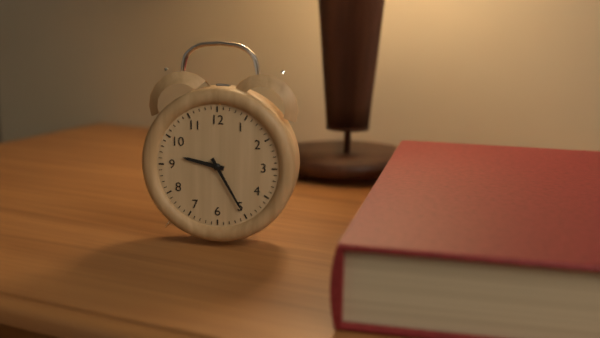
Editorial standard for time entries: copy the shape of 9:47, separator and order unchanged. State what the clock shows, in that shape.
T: 9:25
